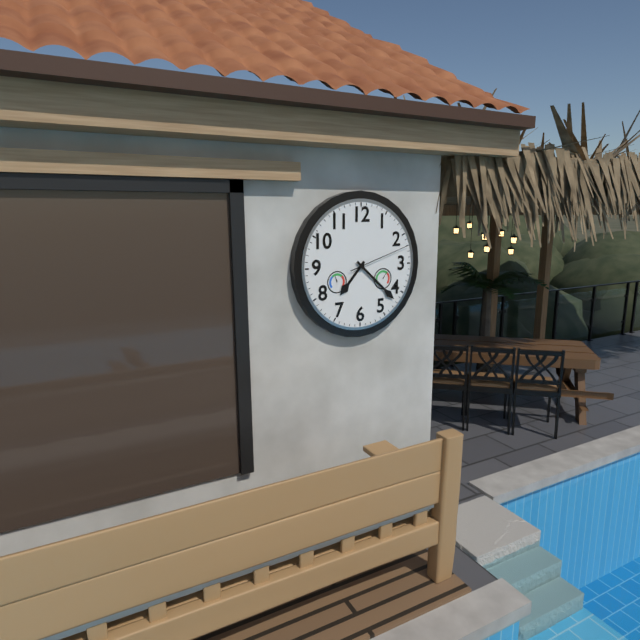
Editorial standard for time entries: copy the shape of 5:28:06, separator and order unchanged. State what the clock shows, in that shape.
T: 7:22:12
